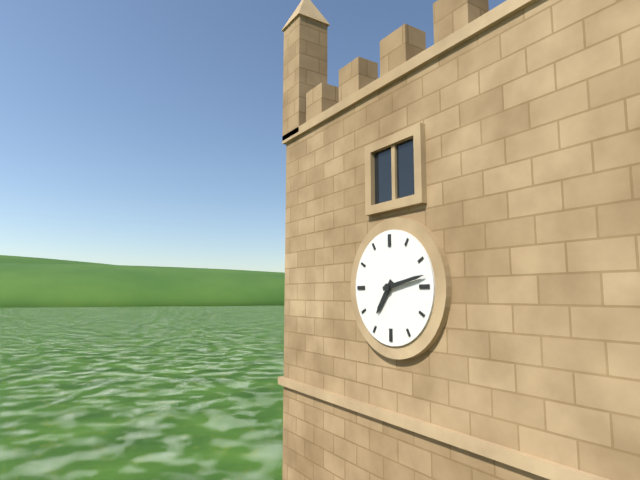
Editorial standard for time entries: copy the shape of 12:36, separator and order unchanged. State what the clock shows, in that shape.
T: 7:13
